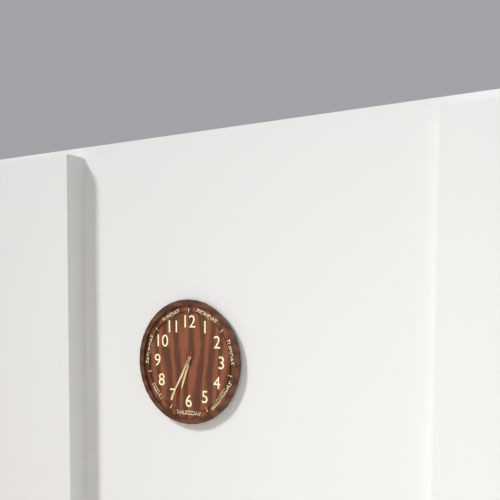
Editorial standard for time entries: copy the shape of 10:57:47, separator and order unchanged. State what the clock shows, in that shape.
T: 6:35:34
